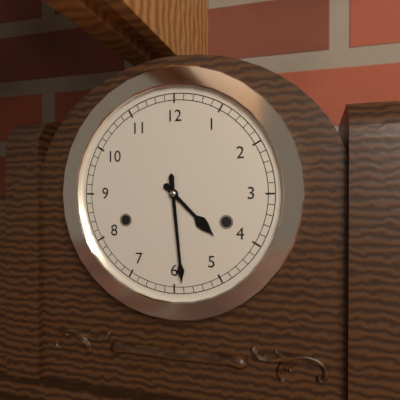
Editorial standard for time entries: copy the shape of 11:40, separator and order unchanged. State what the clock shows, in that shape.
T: 4:29
